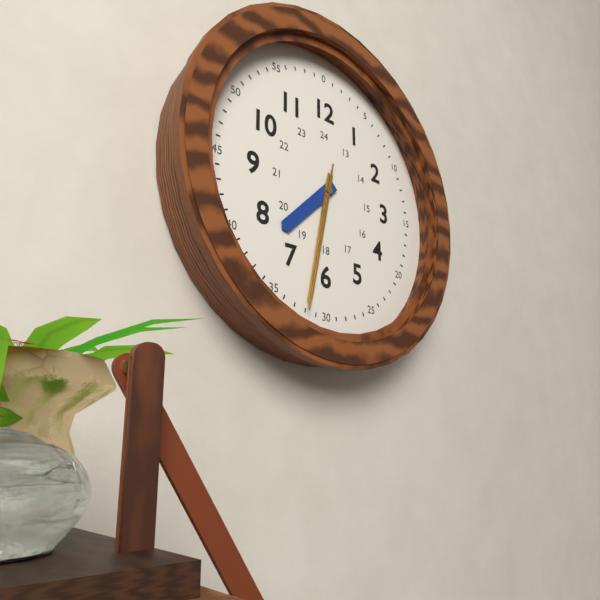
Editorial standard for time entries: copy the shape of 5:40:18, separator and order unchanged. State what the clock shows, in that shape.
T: 7:32:32
